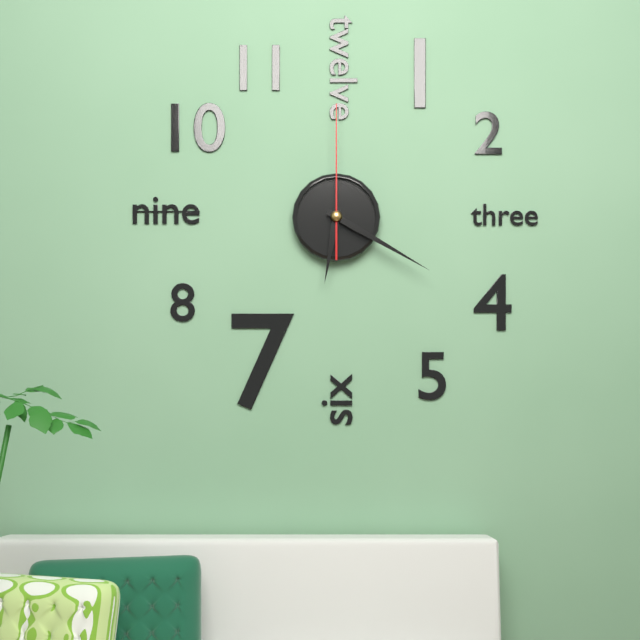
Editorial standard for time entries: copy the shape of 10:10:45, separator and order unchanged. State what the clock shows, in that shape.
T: 6:20:00
